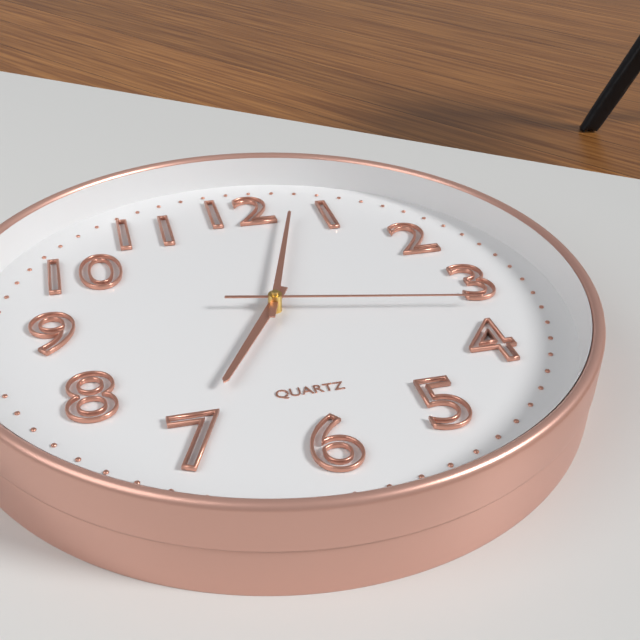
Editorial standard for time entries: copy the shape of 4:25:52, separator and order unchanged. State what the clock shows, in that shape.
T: 7:03:17
